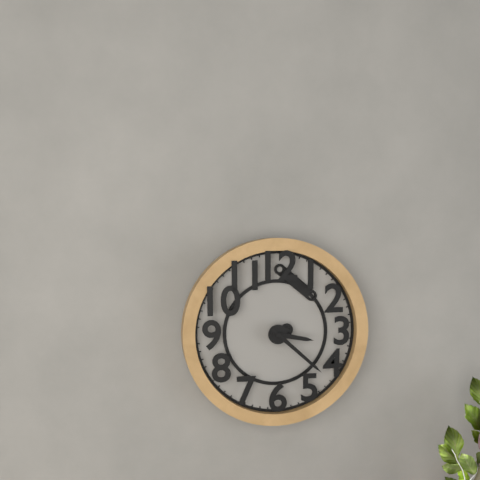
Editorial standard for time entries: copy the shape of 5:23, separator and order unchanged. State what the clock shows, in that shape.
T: 3:22
